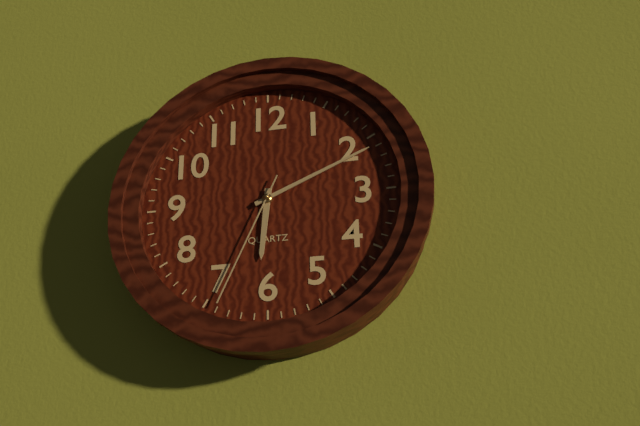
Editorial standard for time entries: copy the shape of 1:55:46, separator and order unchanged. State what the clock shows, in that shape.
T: 6:11:34
